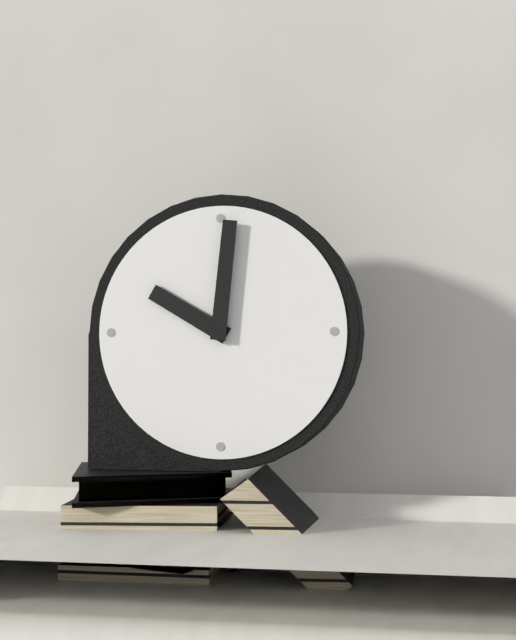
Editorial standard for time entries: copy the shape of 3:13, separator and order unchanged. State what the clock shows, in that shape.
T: 10:01
